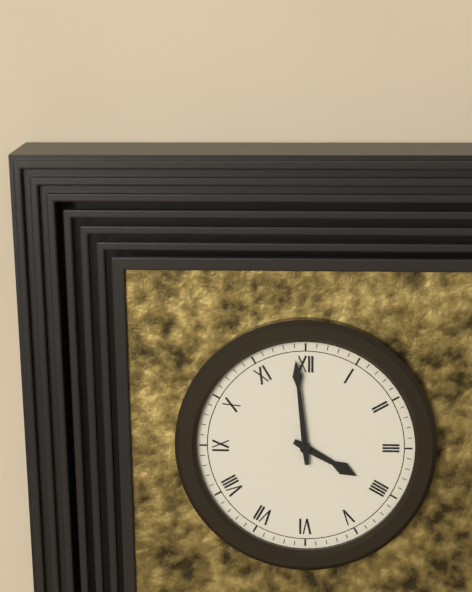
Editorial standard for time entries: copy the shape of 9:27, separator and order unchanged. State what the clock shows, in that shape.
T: 3:59
